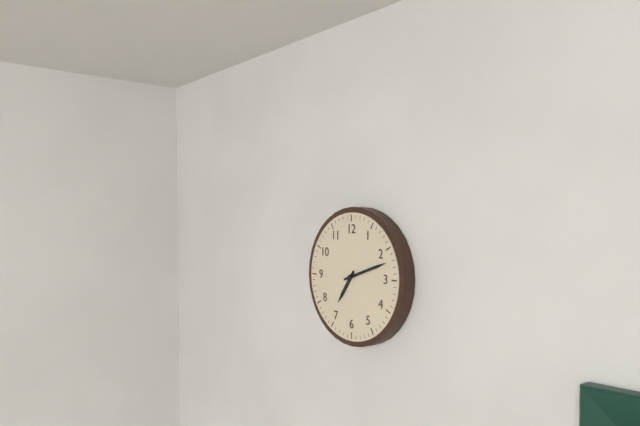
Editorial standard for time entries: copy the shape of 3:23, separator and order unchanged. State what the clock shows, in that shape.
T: 7:12
